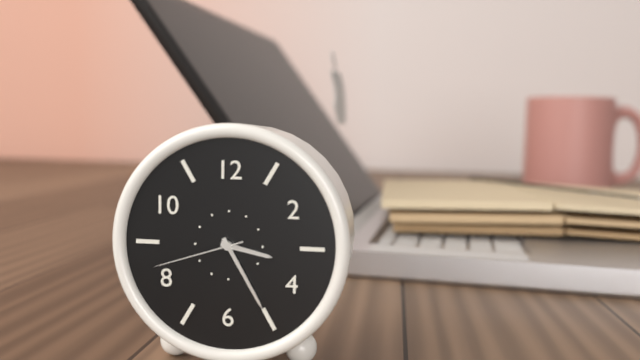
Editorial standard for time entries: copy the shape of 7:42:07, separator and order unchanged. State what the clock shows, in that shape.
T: 3:25:42
